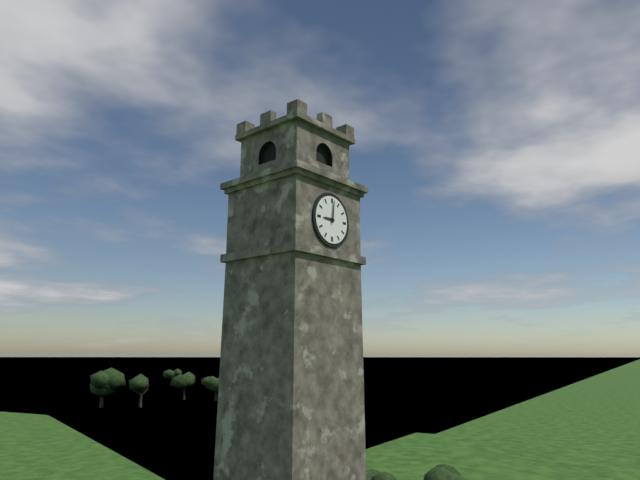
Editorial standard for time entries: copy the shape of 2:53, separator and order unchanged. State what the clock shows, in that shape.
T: 9:01
